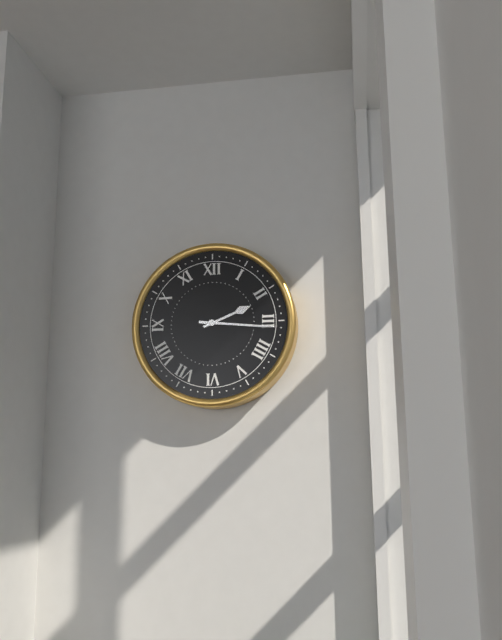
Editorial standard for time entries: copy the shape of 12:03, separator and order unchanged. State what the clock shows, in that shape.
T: 2:16
